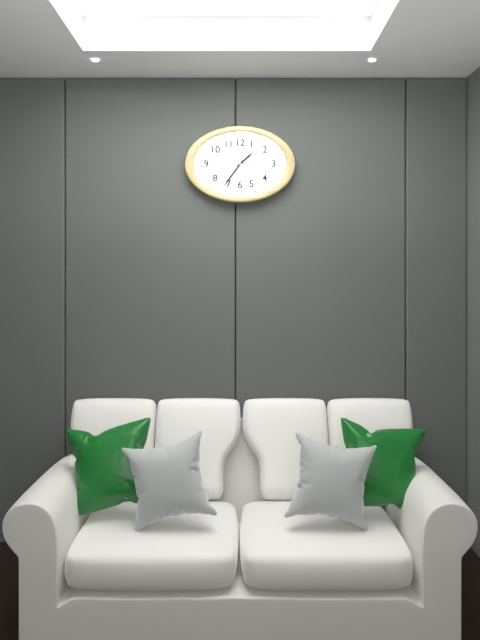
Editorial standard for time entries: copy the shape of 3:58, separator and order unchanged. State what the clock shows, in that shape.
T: 1:36
